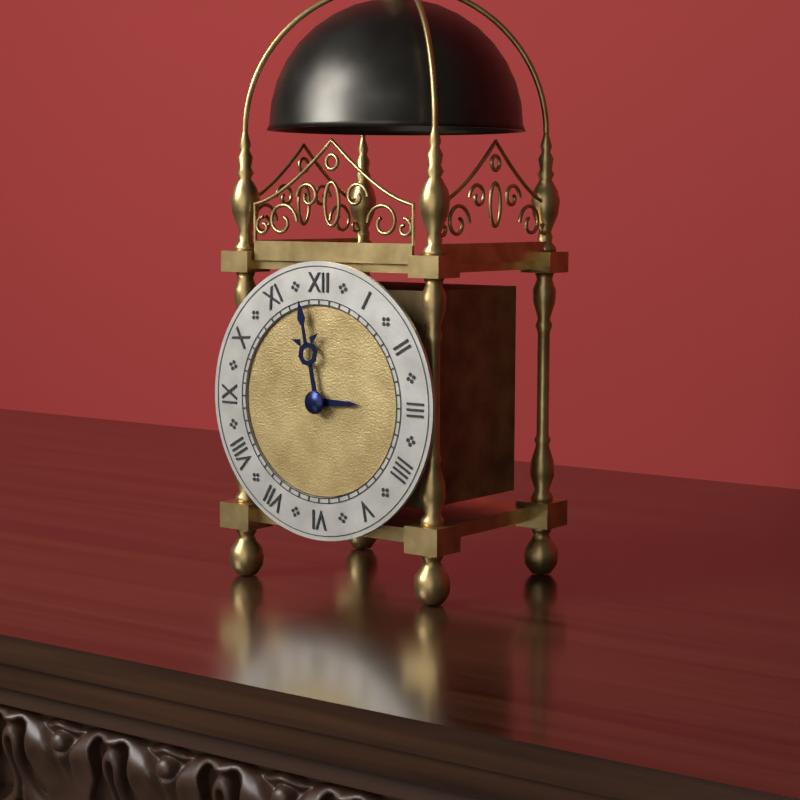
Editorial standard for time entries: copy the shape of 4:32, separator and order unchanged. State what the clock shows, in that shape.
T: 2:58
